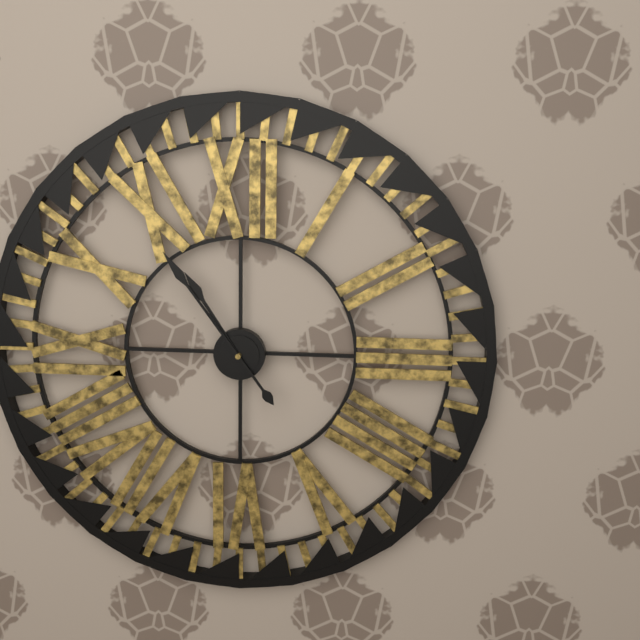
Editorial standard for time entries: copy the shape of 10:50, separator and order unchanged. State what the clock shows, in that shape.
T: 10:54
